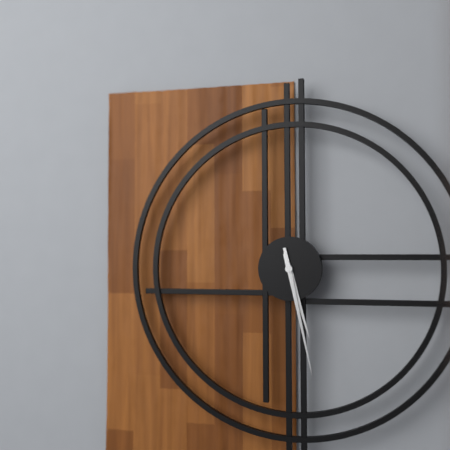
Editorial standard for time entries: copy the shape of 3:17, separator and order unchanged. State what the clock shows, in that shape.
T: 5:28
